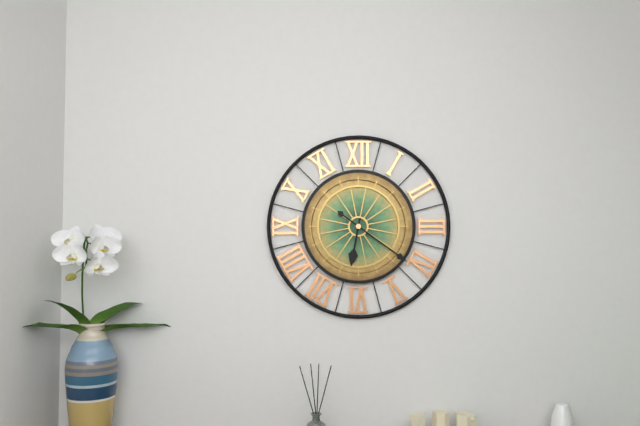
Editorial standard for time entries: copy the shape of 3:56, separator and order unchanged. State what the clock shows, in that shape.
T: 6:21
